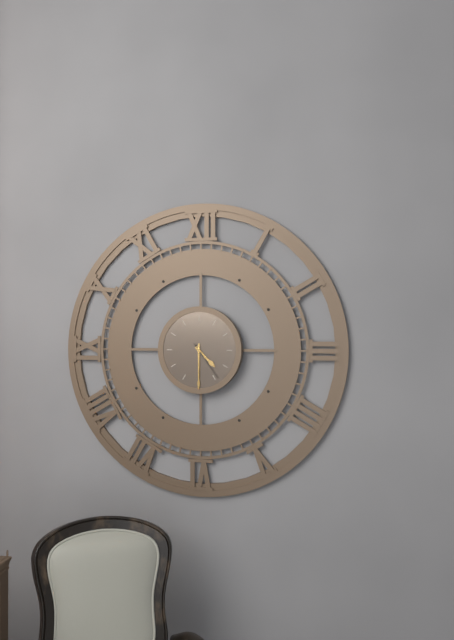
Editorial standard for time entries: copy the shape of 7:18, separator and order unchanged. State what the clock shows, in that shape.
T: 4:30
